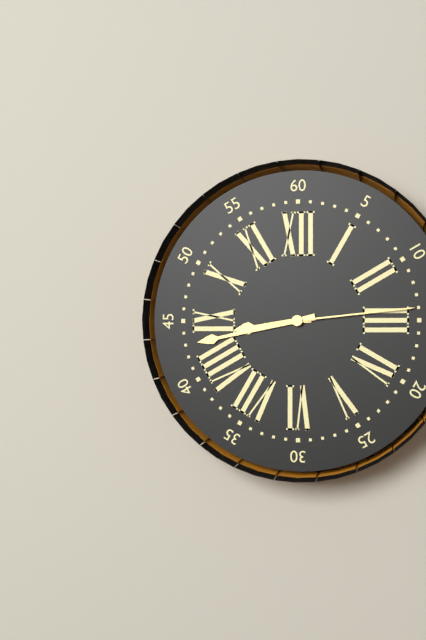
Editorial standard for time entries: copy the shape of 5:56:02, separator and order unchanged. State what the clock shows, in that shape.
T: 8:43:14
